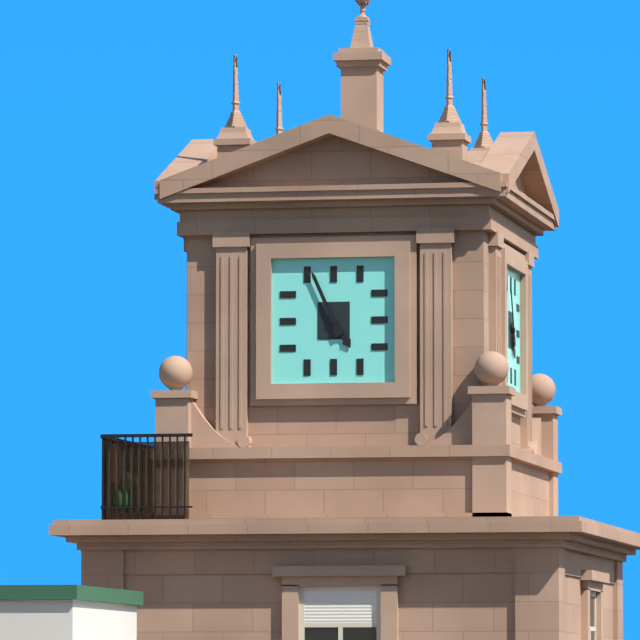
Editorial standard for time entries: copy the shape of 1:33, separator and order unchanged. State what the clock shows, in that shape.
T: 4:56
